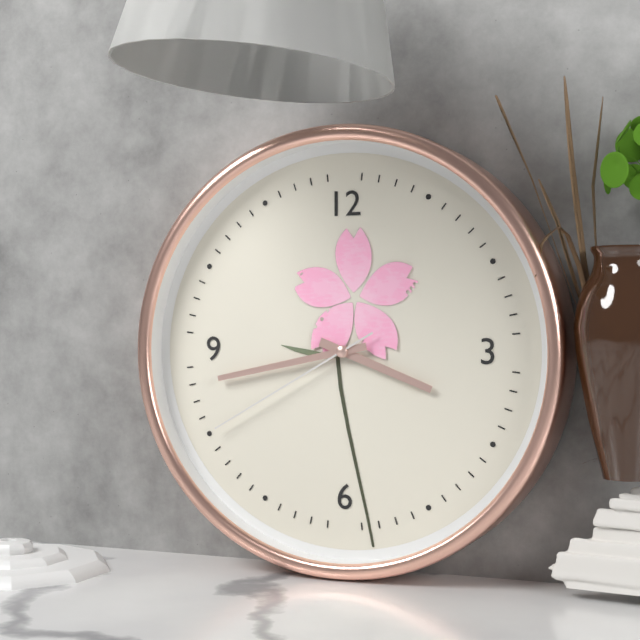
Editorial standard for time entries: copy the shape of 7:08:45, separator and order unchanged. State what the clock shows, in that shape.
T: 3:43:40
